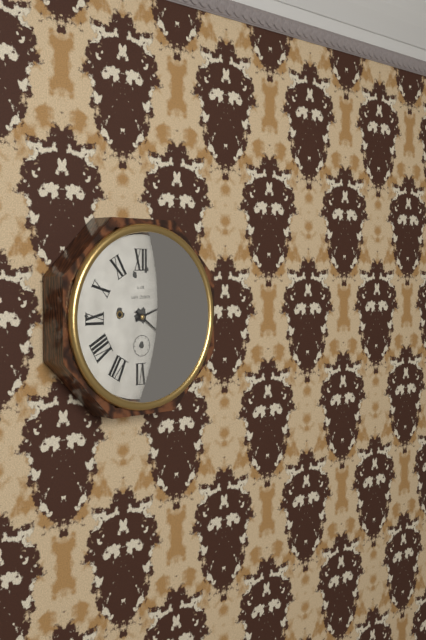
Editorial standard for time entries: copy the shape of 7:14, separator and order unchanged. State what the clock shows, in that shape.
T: 2:21
